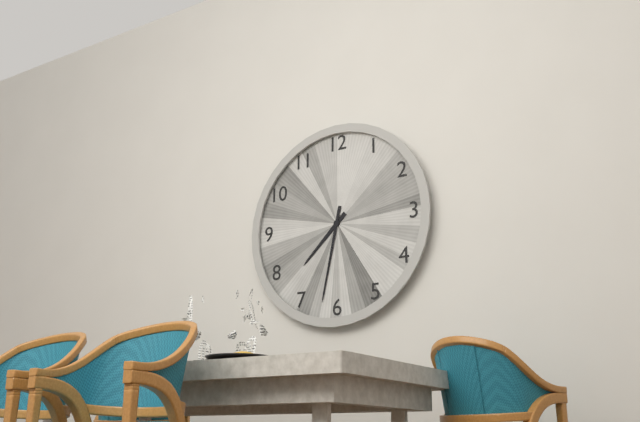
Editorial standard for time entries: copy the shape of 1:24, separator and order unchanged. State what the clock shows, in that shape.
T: 7:32
